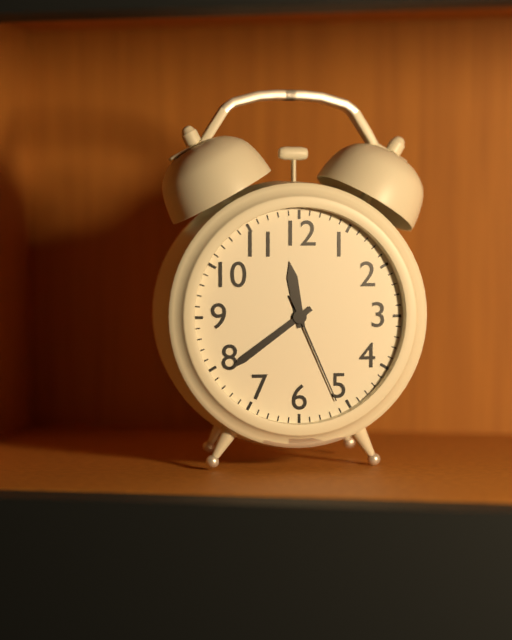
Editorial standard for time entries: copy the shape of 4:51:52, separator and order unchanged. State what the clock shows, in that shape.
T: 11:39:26
